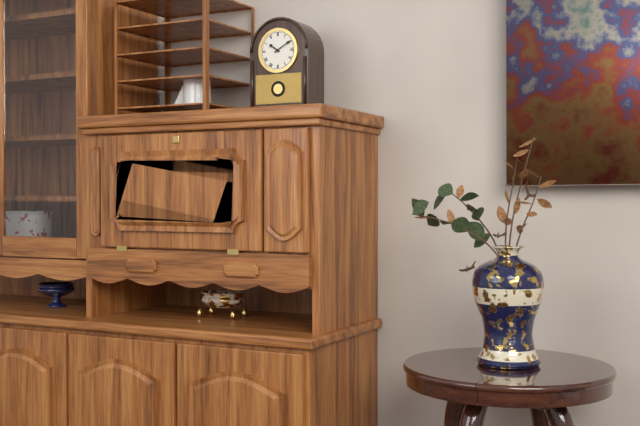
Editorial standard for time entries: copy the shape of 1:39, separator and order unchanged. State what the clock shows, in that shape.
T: 10:10
